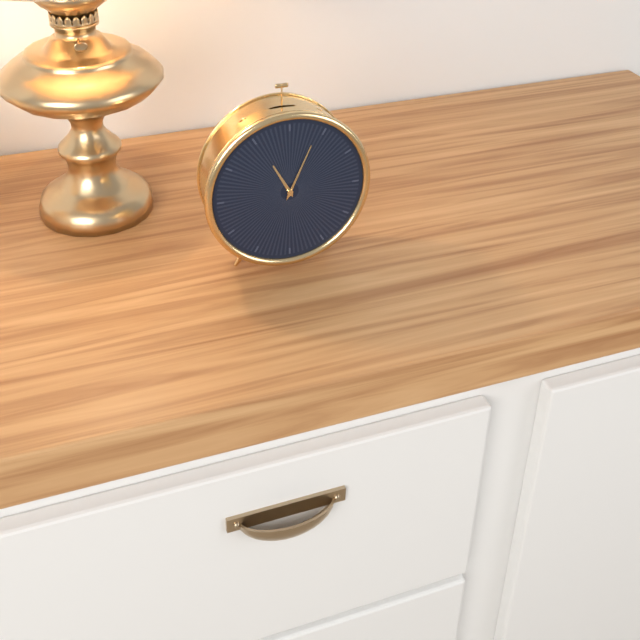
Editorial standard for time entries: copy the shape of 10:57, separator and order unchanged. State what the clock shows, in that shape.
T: 11:04
